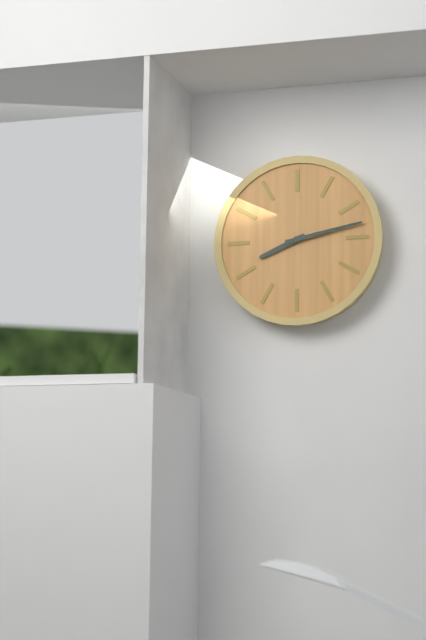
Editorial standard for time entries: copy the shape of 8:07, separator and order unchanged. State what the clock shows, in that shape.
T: 8:13
